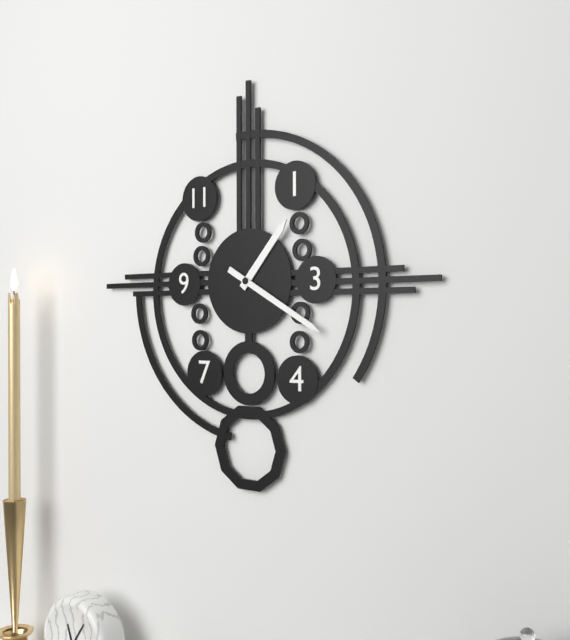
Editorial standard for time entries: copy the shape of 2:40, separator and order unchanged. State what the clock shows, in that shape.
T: 1:20
